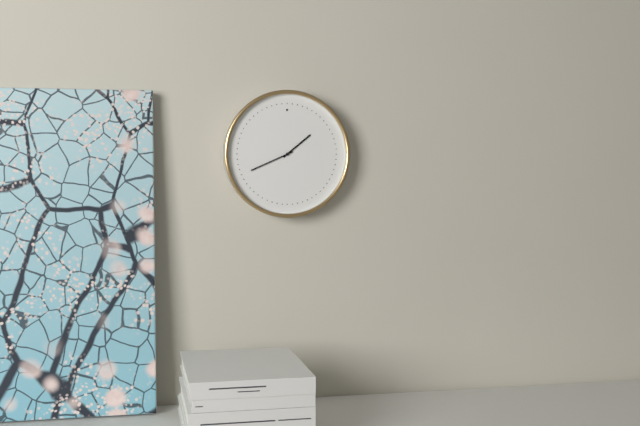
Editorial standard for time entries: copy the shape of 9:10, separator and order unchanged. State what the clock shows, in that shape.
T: 1:41
